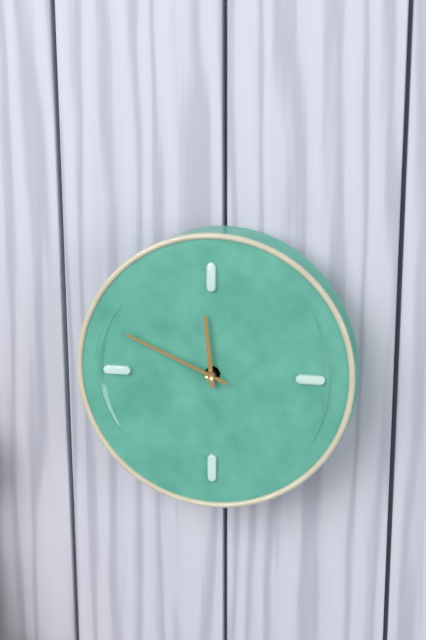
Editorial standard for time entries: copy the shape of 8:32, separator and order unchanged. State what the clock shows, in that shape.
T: 11:49
